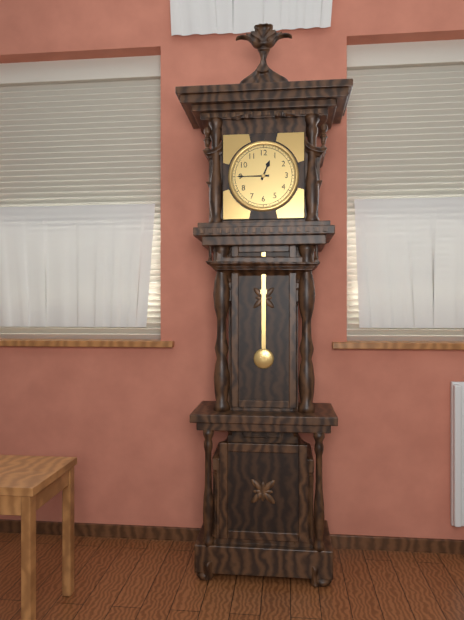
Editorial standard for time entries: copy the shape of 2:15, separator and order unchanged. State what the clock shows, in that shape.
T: 12:45
